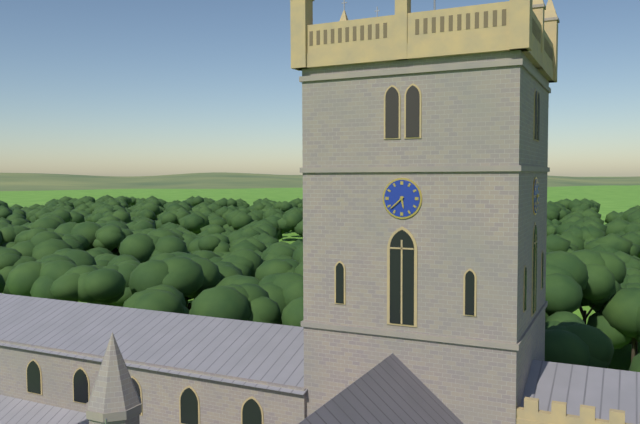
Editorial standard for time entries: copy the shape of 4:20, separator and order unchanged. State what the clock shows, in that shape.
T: 5:38
